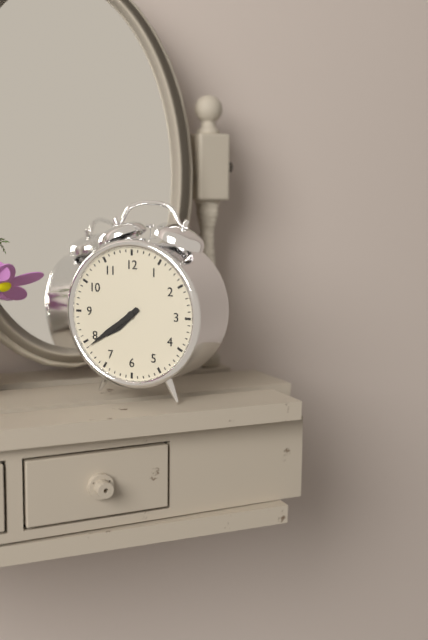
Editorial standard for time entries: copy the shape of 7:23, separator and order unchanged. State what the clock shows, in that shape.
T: 7:39
